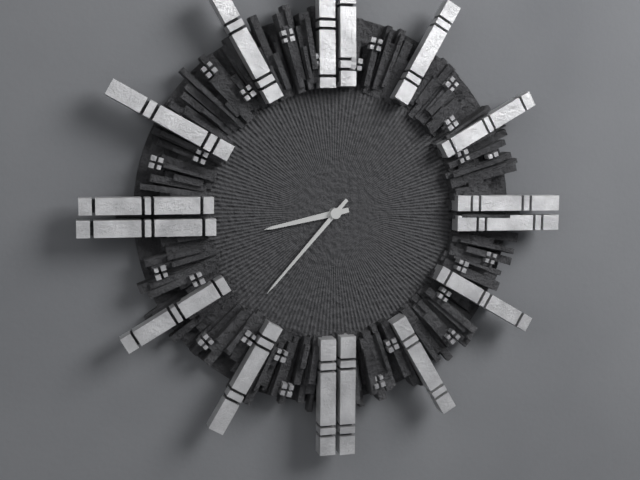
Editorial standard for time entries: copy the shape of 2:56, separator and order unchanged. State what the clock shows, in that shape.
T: 8:37
